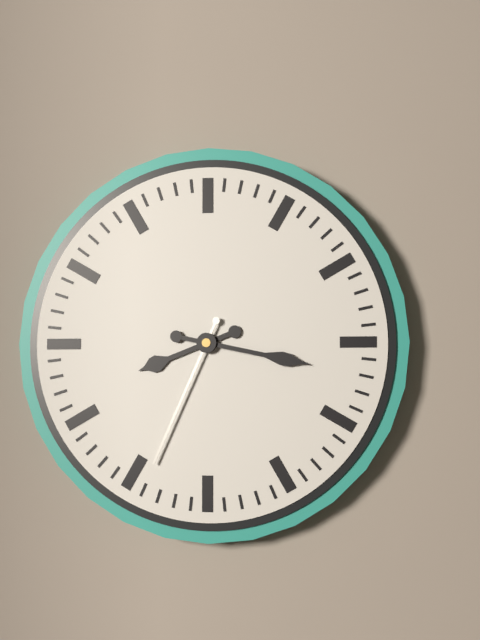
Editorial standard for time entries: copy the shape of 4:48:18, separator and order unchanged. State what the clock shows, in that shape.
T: 8:17:34
